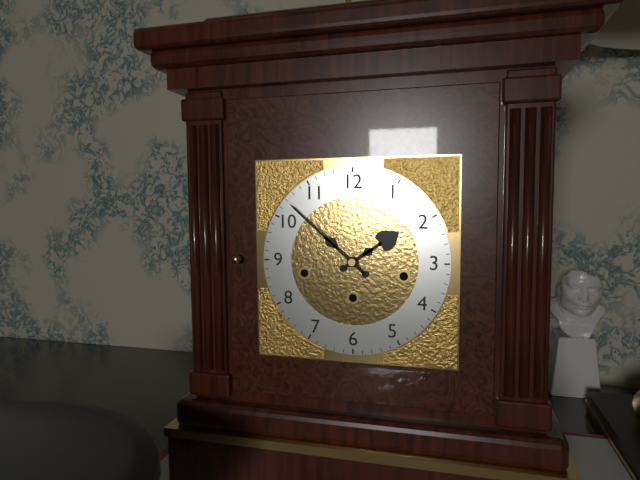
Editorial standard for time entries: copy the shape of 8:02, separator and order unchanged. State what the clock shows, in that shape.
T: 1:52
